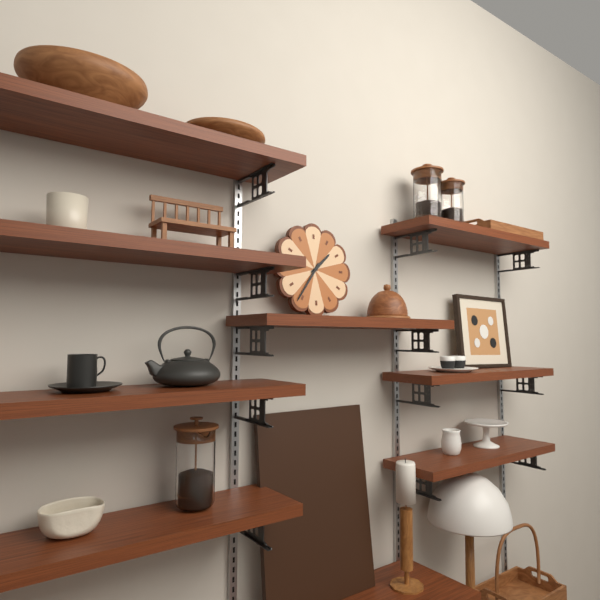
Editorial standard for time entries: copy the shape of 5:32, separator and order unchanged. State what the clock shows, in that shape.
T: 1:36
